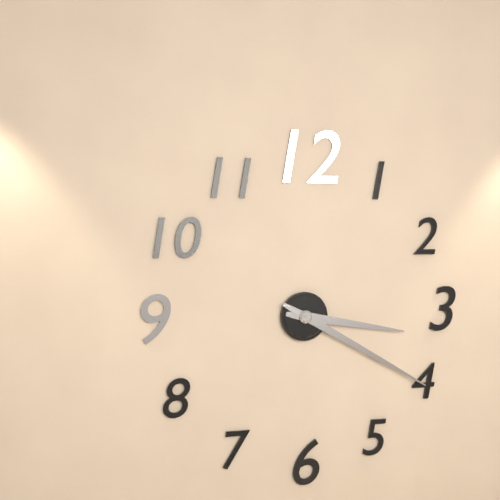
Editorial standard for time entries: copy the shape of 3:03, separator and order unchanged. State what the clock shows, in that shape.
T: 3:20
